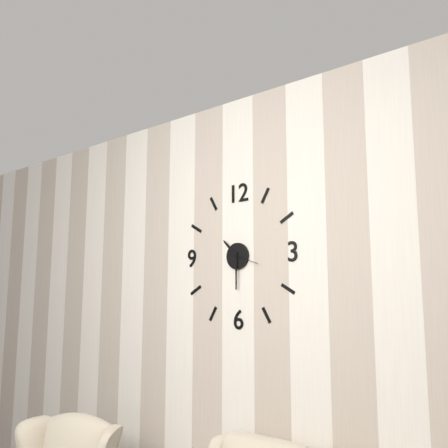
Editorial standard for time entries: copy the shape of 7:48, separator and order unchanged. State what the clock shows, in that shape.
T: 10:30
